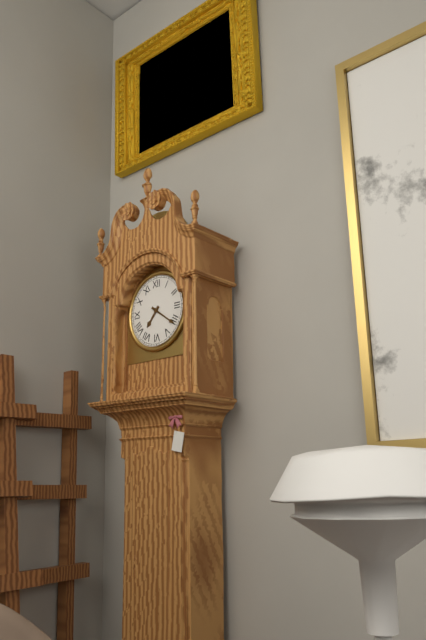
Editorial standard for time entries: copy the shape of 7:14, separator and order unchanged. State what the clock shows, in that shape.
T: 7:21
